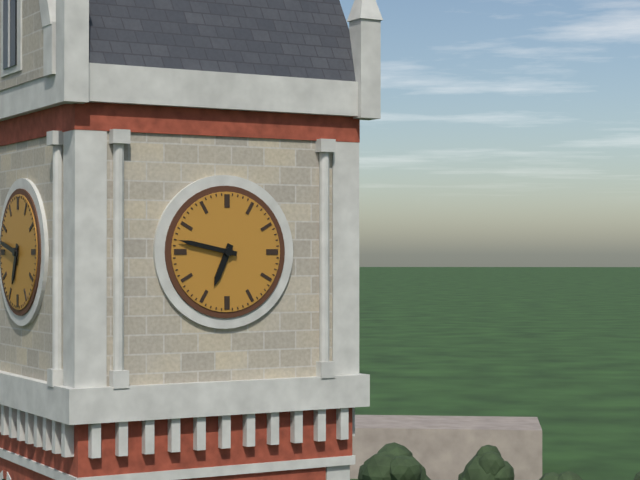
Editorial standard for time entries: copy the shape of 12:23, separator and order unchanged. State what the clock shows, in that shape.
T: 6:47
